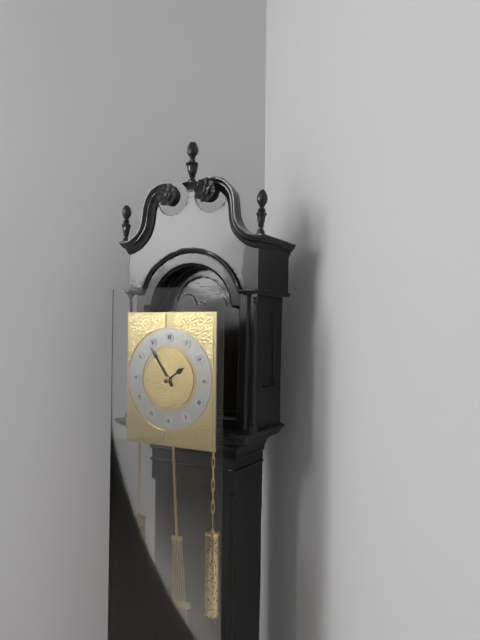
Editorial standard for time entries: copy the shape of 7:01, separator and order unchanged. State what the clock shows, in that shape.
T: 1:54
